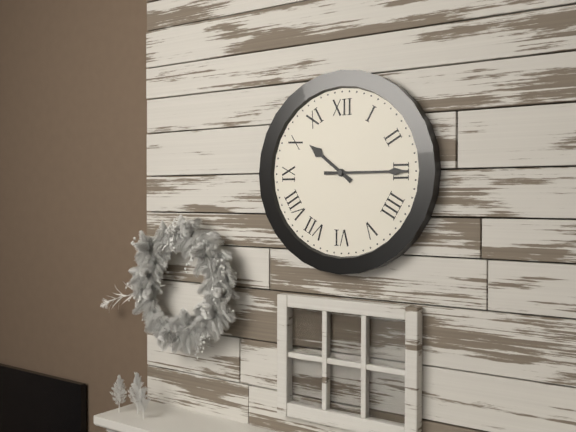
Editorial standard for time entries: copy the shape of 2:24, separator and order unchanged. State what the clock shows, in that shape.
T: 10:15
